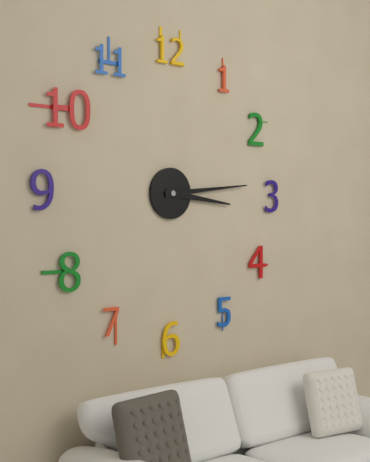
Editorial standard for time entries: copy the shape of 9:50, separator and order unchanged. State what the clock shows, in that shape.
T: 3:14
